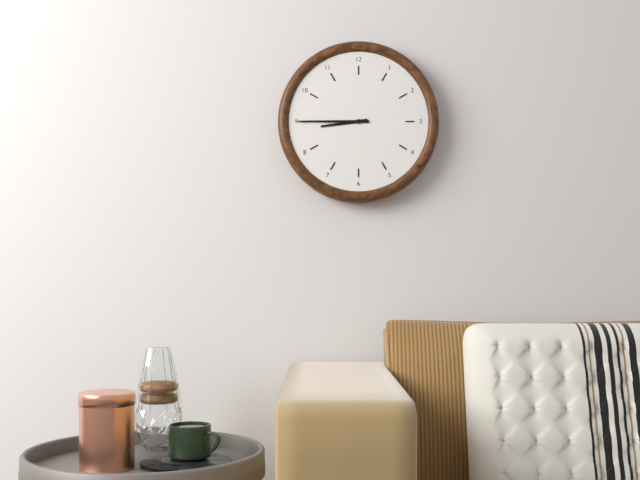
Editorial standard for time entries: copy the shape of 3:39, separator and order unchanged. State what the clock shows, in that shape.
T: 8:45
